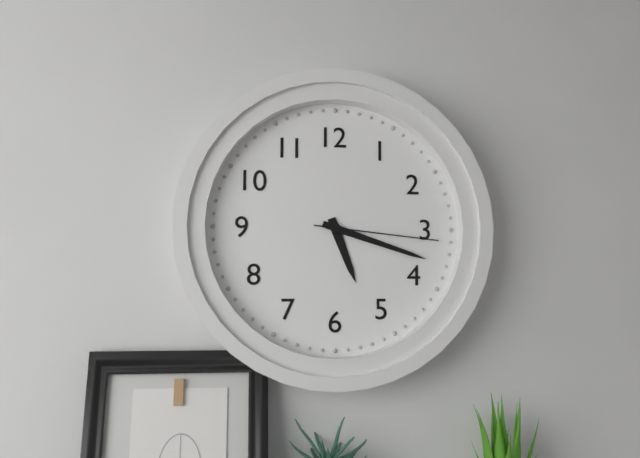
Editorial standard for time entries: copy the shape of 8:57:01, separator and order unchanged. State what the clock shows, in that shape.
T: 5:18:16
